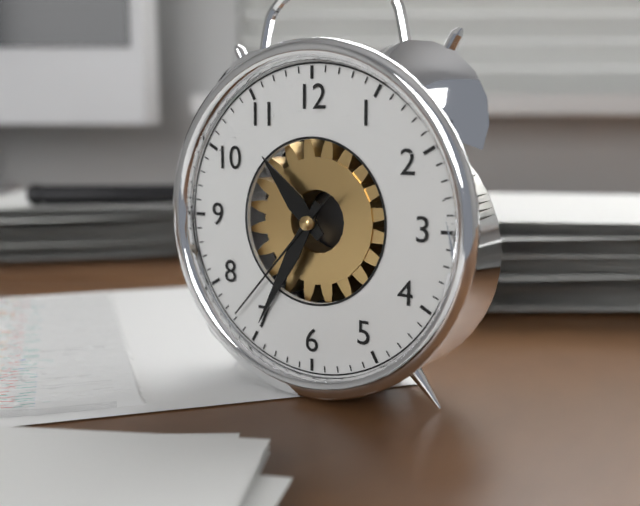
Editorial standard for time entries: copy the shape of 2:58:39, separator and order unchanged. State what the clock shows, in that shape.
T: 10:35:37
